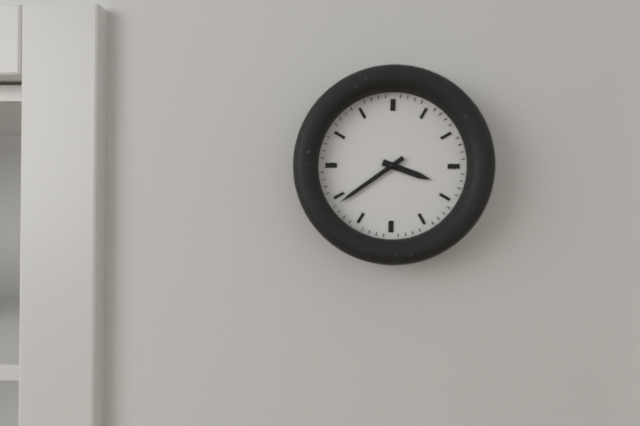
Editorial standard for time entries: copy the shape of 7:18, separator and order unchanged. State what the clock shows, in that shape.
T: 3:39
